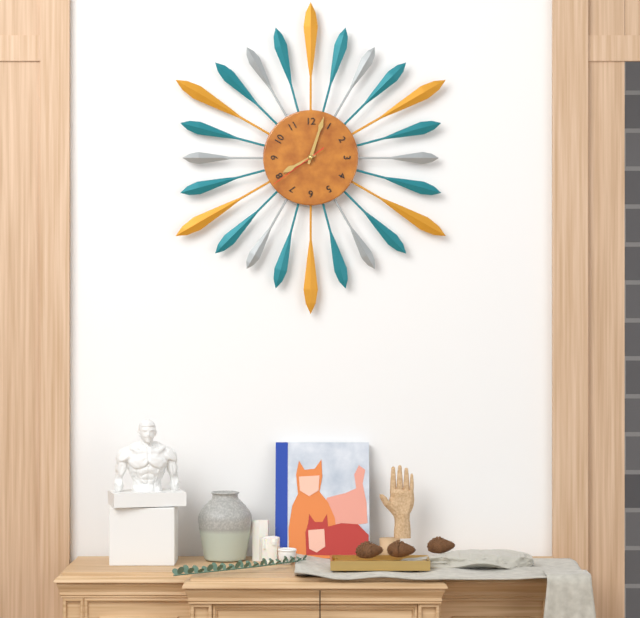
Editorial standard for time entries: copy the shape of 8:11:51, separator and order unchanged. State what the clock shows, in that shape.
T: 8:03:39
